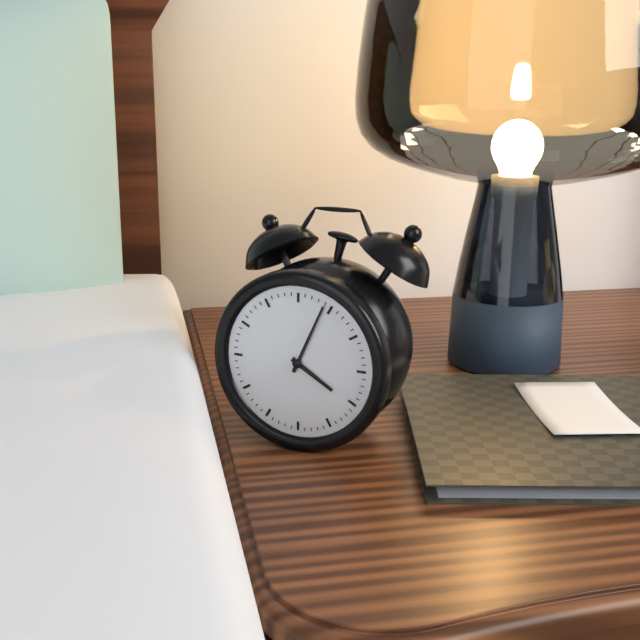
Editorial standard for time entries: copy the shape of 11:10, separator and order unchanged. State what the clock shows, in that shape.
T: 4:04
